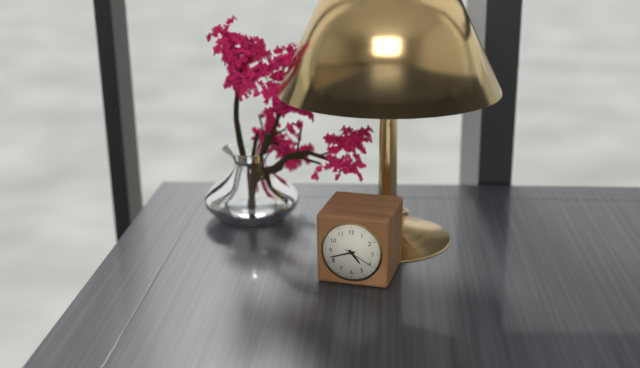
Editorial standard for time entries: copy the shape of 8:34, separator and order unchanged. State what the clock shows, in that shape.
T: 4:42
